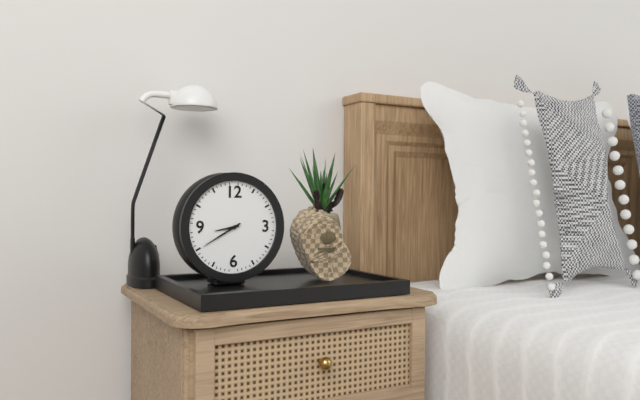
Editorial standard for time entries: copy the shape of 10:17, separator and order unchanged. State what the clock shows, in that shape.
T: 8:40
